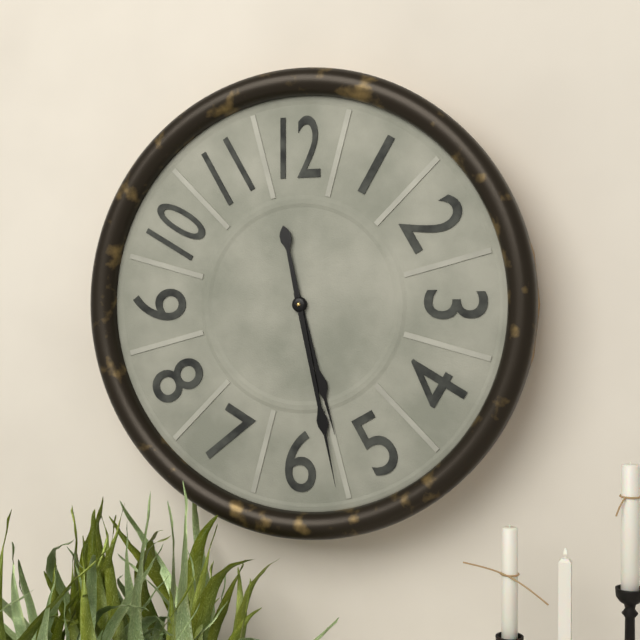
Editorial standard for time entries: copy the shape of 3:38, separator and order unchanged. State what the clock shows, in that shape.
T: 5:28
